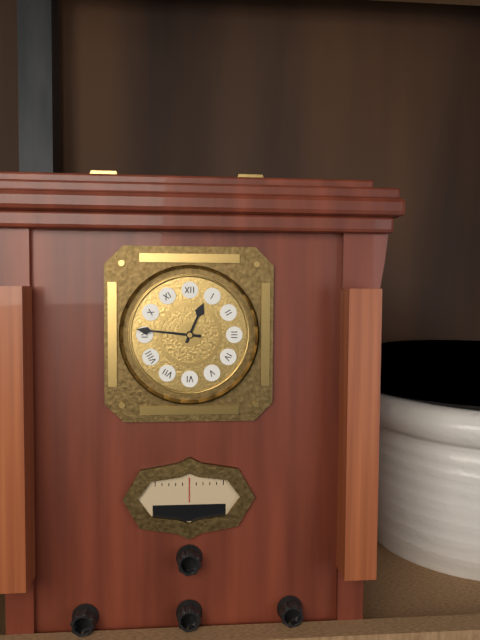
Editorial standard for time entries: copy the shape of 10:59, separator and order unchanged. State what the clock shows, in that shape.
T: 12:46
